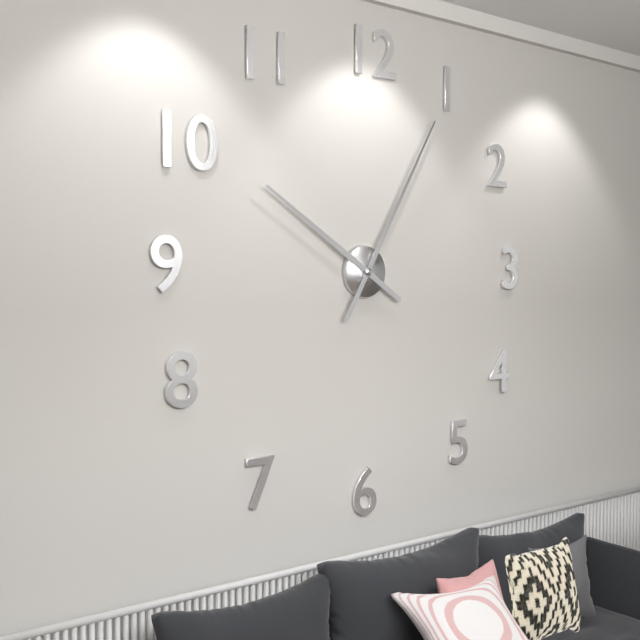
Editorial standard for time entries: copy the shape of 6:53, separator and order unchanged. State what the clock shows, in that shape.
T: 10:05
